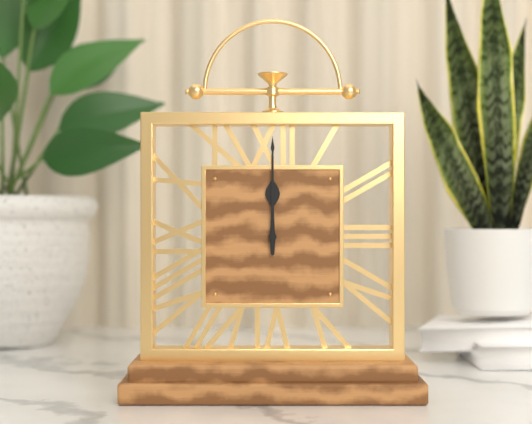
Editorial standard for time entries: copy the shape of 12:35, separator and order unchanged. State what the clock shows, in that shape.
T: 12:00
